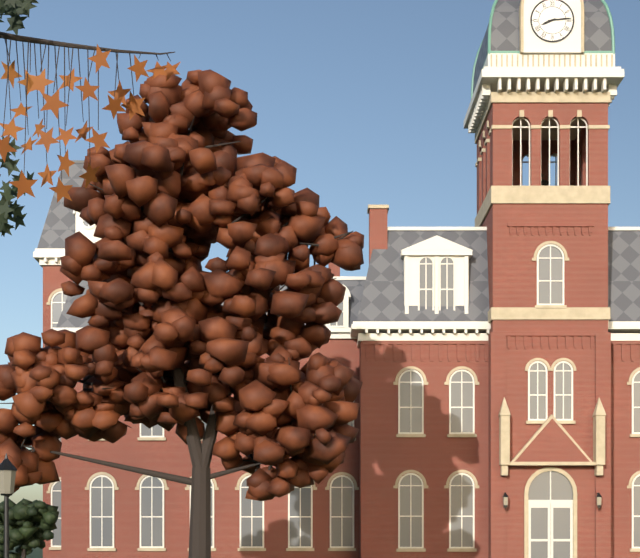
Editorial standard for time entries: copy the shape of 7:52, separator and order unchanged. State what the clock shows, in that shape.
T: 8:14
